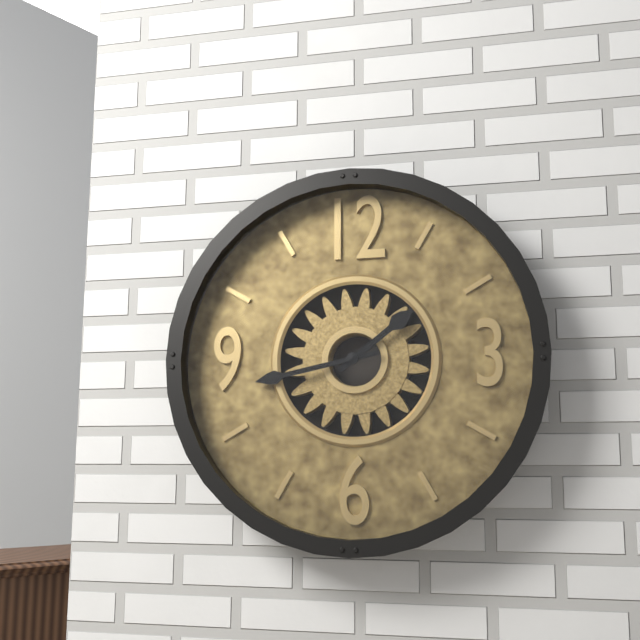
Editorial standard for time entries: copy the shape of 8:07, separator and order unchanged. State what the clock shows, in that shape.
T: 1:43
